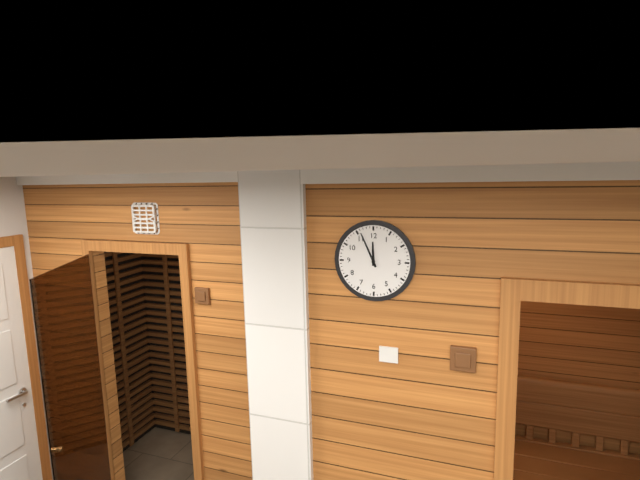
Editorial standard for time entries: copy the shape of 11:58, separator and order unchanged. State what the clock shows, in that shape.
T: 11:56
